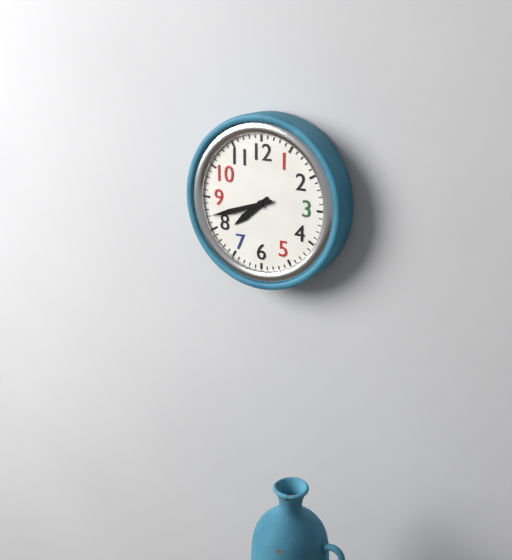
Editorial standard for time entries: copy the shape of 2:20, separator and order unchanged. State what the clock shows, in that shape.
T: 7:42
